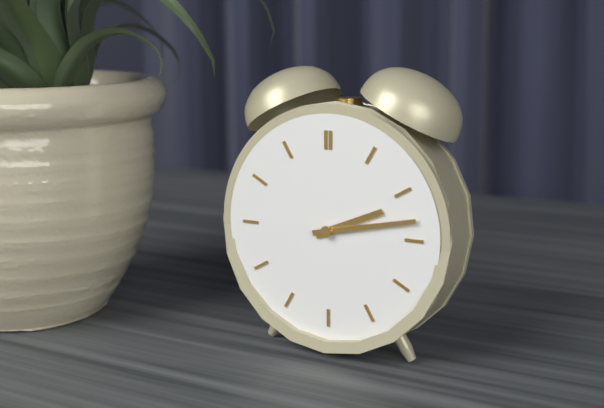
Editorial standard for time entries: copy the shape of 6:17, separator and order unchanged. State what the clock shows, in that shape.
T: 2:13
